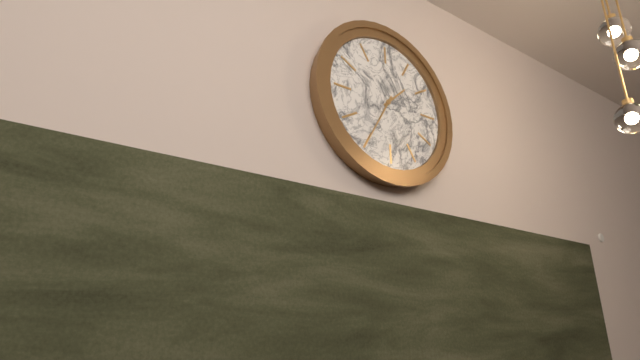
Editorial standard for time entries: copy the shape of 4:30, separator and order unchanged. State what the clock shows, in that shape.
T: 1:35
